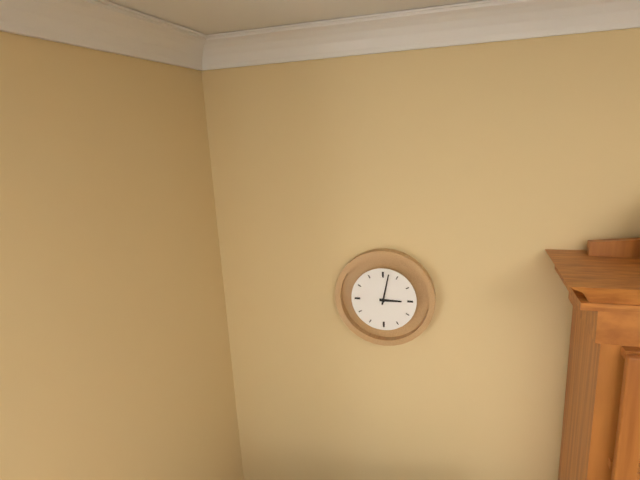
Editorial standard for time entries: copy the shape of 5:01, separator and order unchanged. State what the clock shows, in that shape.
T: 3:02
